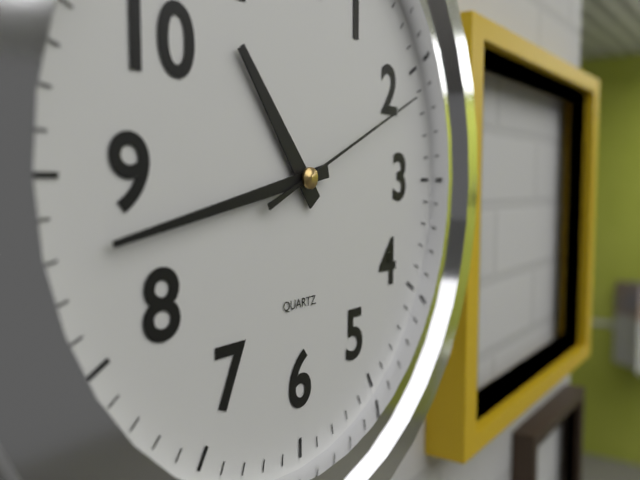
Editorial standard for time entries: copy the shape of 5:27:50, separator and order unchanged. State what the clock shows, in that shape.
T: 10:43:11
